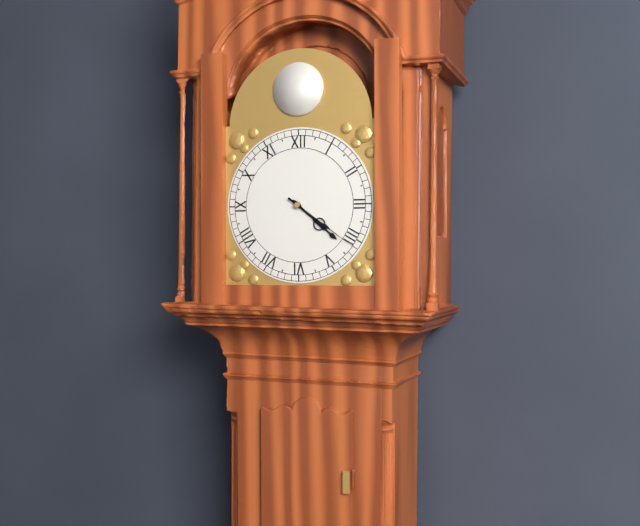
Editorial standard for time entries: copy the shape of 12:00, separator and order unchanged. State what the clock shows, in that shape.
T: 4:21
